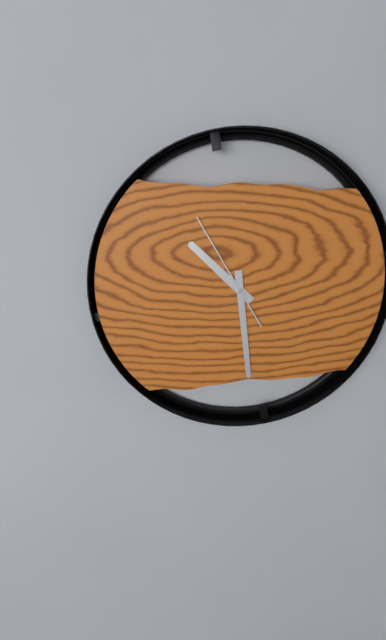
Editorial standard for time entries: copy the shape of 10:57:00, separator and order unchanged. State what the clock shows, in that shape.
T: 10:29:55
